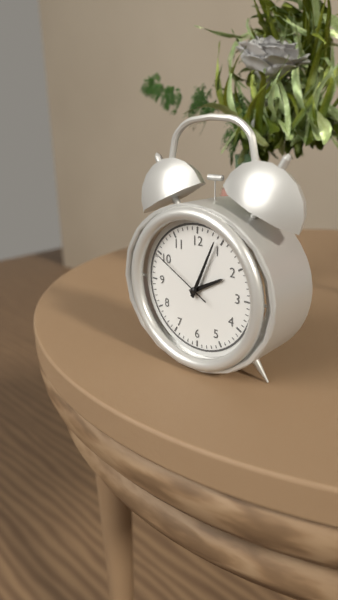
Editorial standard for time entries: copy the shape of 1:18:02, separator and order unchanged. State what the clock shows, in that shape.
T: 2:04:50
